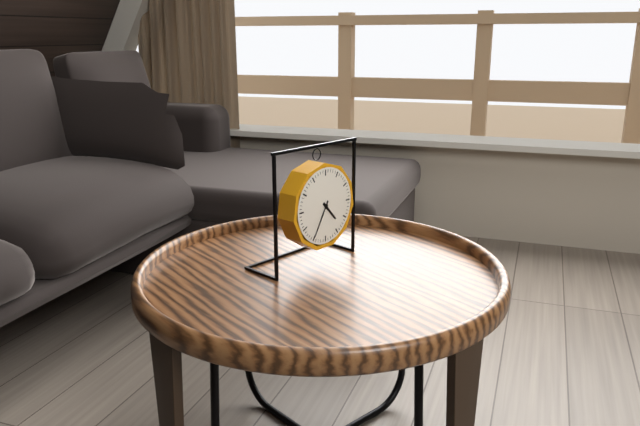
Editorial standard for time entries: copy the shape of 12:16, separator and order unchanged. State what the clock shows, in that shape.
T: 4:35
